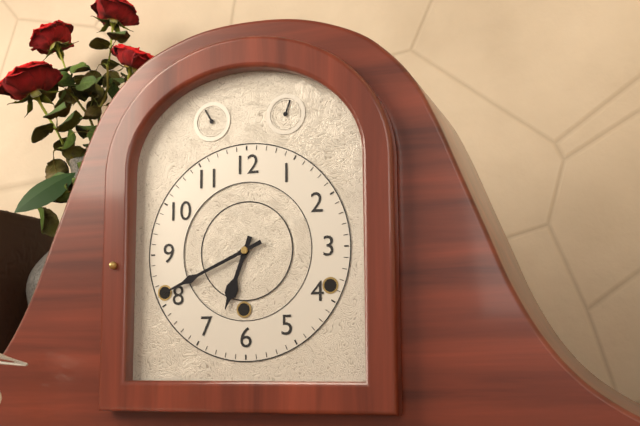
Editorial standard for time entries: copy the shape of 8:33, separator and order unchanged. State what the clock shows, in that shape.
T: 6:41
